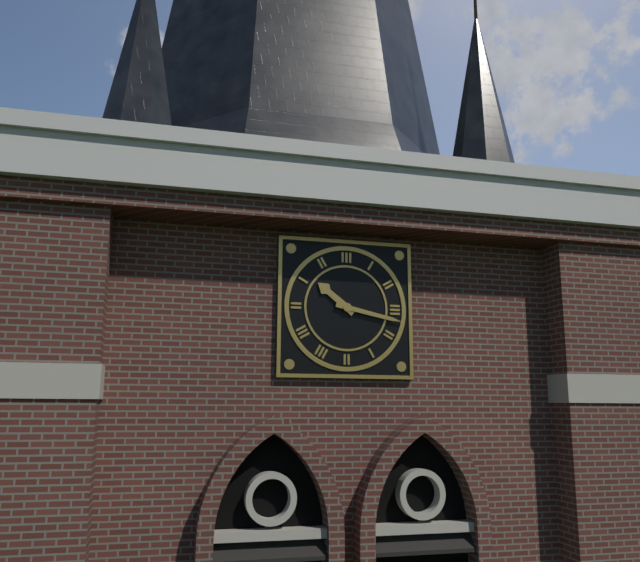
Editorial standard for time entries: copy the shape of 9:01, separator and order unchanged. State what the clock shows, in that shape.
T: 10:17
